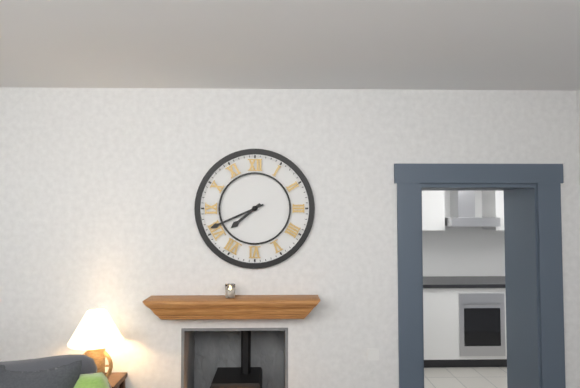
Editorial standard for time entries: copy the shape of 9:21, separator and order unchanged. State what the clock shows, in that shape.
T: 7:41
